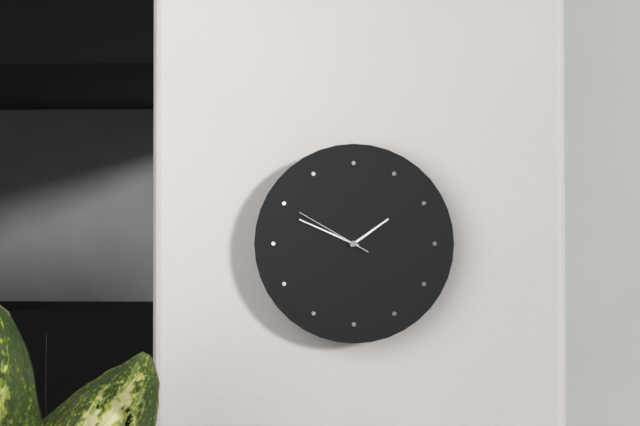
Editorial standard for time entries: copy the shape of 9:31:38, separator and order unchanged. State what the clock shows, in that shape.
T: 1:49:50
